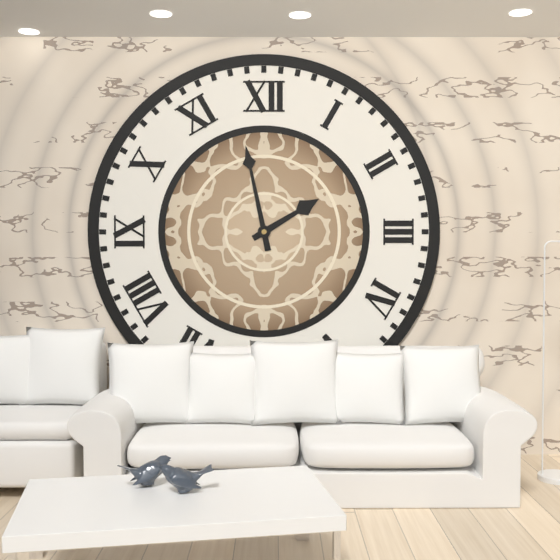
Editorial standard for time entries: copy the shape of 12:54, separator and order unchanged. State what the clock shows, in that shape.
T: 1:58
